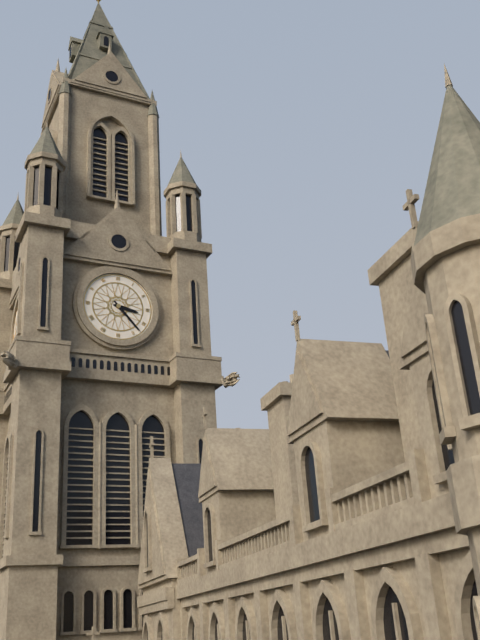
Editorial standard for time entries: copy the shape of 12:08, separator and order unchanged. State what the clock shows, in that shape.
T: 3:23
